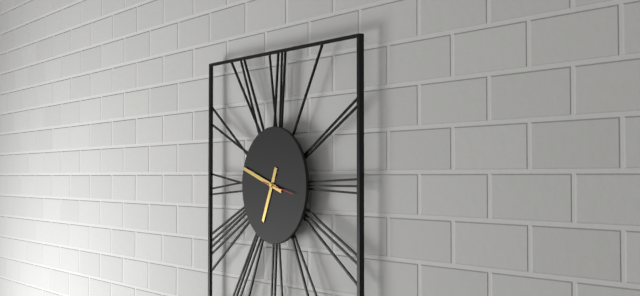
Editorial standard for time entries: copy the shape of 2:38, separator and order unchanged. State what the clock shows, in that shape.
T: 6:48
